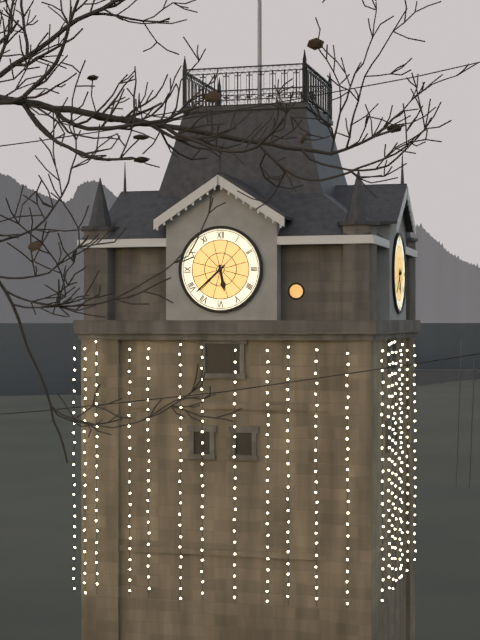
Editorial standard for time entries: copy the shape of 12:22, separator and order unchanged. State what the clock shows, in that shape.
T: 5:38
